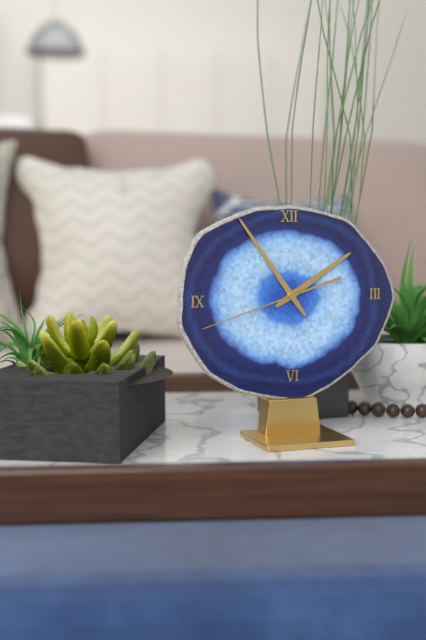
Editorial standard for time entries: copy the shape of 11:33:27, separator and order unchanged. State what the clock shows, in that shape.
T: 1:54:42
